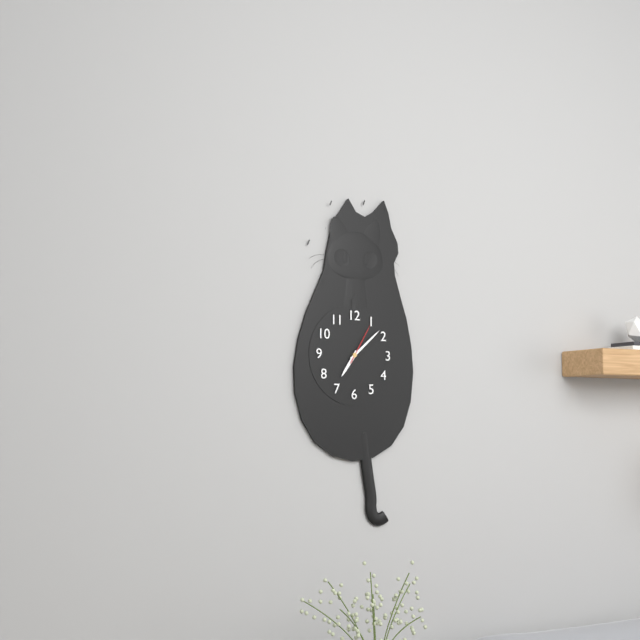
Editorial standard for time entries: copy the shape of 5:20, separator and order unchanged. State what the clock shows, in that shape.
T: 7:08
